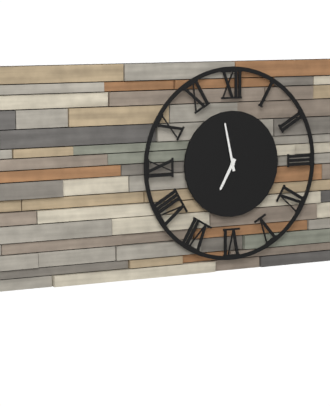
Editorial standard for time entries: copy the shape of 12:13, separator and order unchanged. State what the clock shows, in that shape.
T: 6:58
